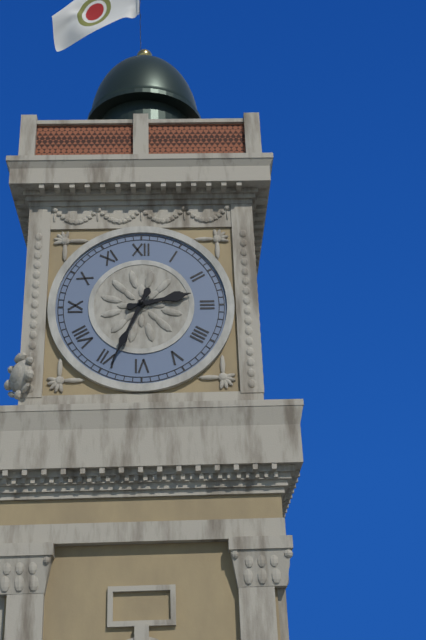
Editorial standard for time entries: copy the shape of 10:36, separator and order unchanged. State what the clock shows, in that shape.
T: 2:34
